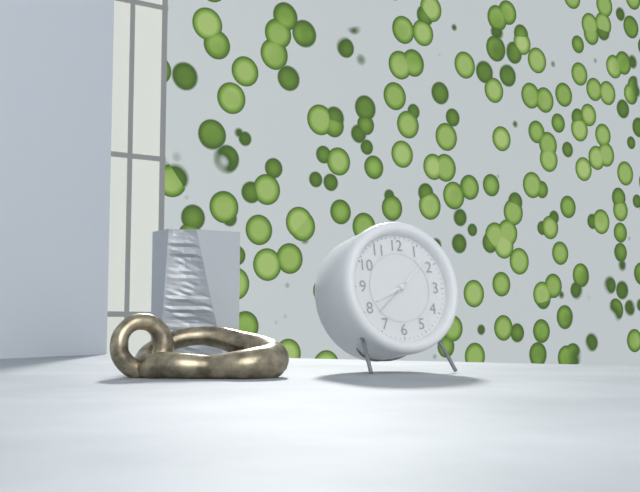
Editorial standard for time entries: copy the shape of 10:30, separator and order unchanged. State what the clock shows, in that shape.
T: 8:08
